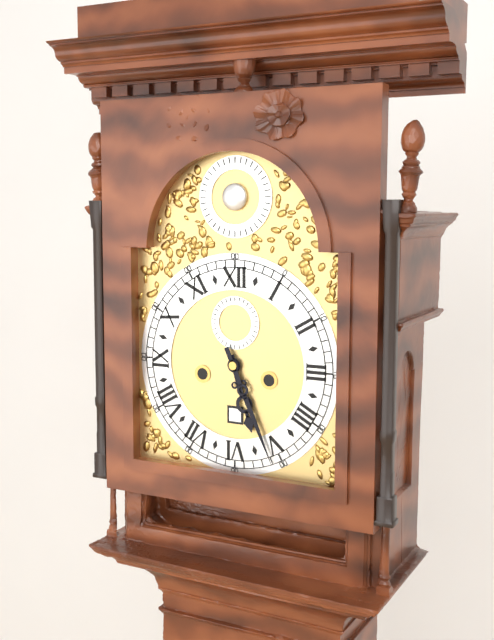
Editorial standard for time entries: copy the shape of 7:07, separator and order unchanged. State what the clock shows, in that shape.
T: 5:26
